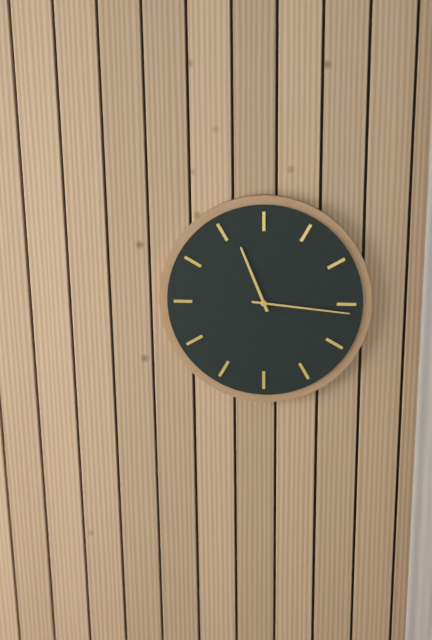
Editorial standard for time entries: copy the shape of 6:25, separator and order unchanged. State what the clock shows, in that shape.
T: 11:16
